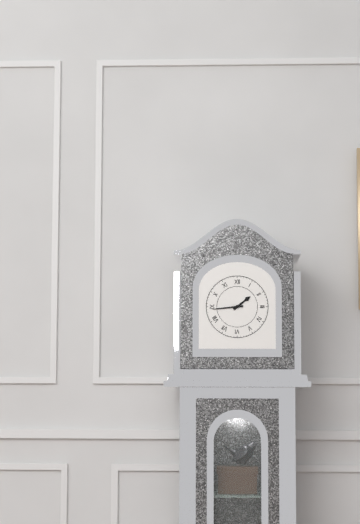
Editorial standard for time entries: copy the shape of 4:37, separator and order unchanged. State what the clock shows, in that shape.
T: 1:44
